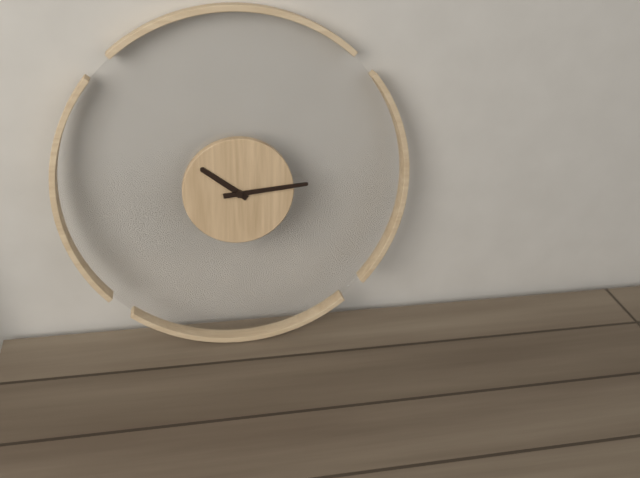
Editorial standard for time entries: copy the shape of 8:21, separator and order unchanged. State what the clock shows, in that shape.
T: 10:14
